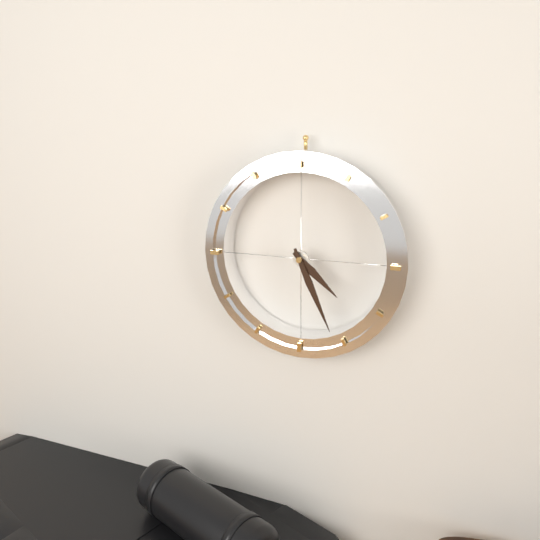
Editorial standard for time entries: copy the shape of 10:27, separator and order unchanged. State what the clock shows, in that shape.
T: 4:26
